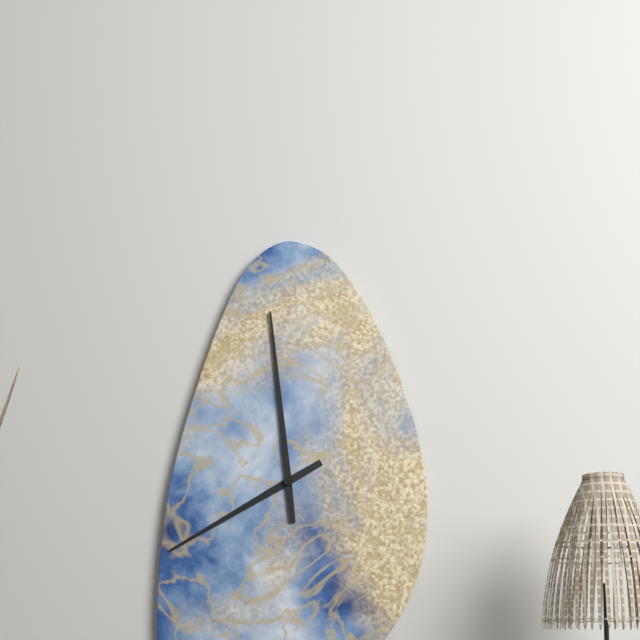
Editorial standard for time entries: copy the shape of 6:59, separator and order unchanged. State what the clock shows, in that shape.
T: 7:59
